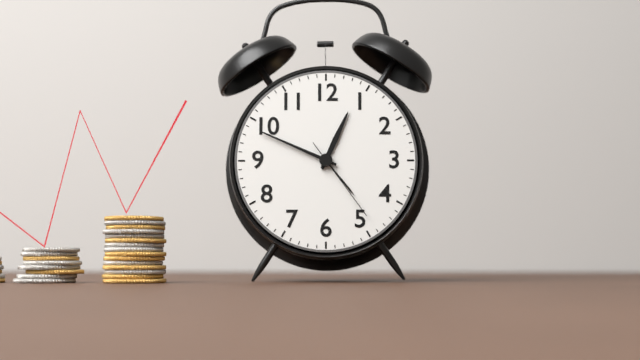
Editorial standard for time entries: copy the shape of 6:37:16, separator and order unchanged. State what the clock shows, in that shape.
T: 12:49:24
